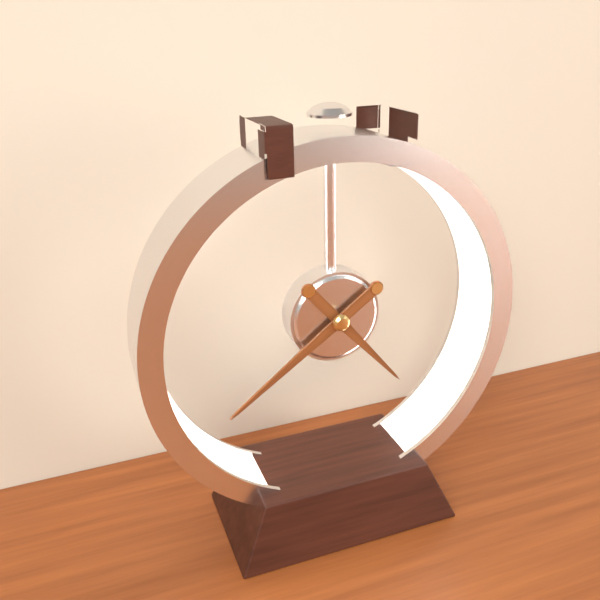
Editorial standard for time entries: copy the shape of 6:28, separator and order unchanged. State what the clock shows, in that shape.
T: 4:39
